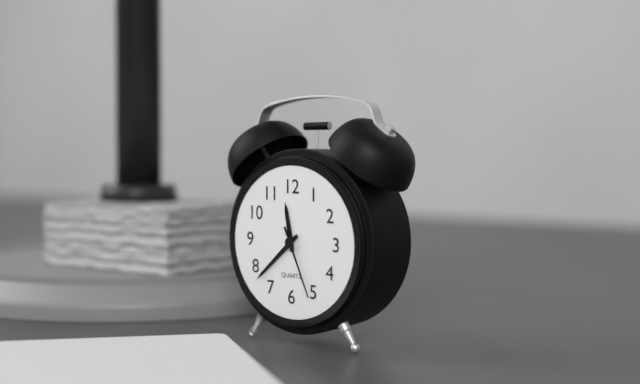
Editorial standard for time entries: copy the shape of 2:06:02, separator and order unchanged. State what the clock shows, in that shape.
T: 11:38:26
